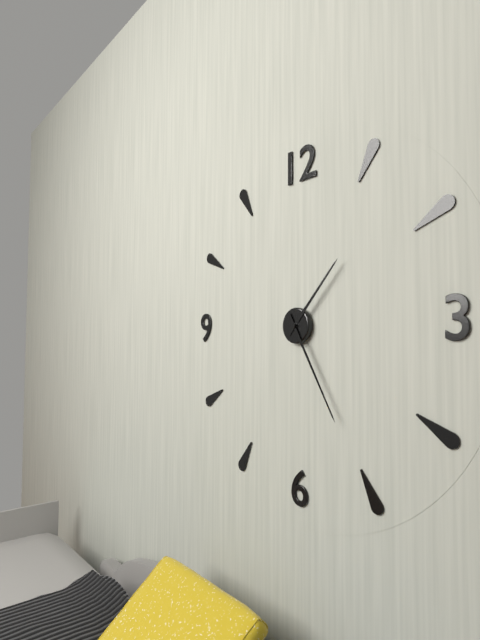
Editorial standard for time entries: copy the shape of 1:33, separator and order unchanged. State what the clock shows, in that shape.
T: 1:25
